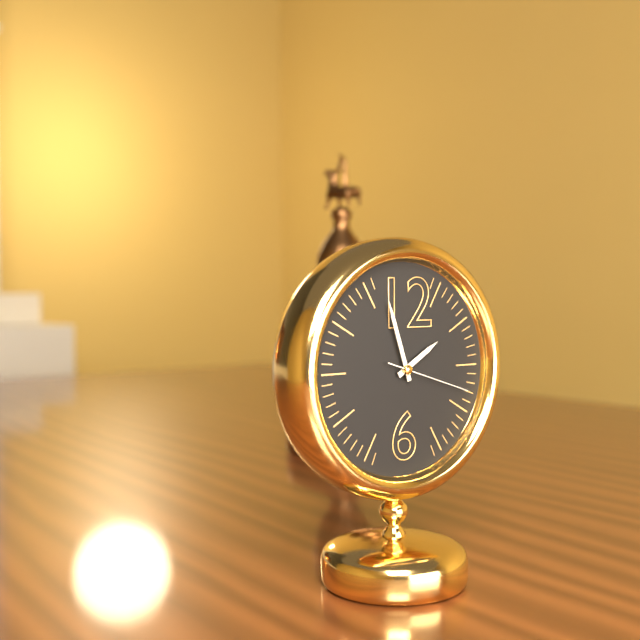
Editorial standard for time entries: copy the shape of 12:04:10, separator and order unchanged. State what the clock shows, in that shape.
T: 1:57:18
